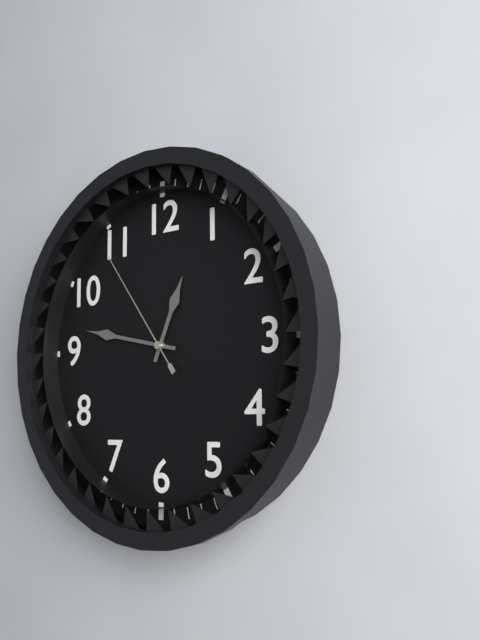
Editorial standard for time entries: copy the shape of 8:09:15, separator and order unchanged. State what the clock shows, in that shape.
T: 12:47:54
